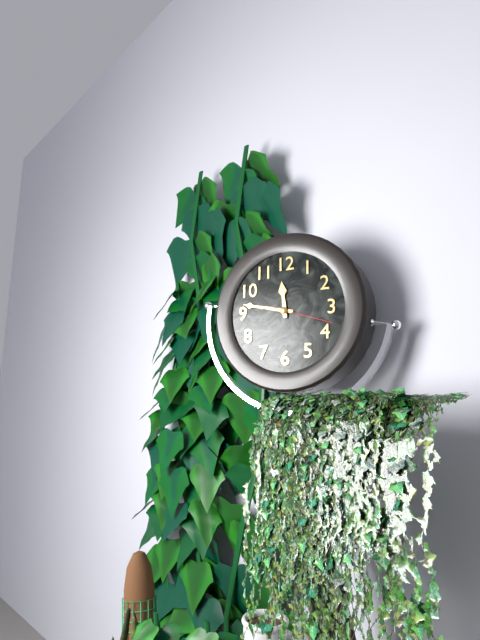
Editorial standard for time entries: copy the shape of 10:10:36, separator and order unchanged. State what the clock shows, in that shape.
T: 11:47:18
